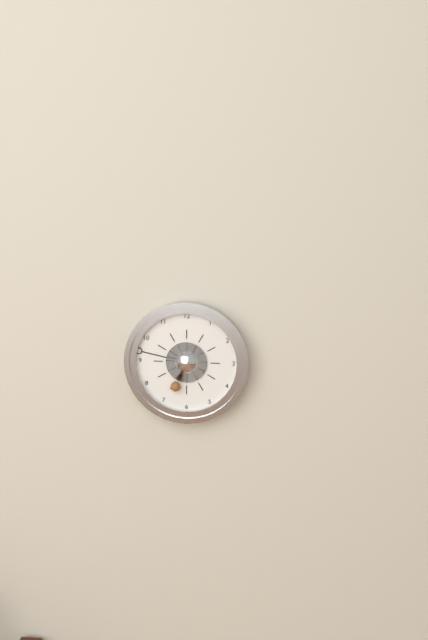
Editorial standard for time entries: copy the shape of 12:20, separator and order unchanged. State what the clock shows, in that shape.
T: 6:47
